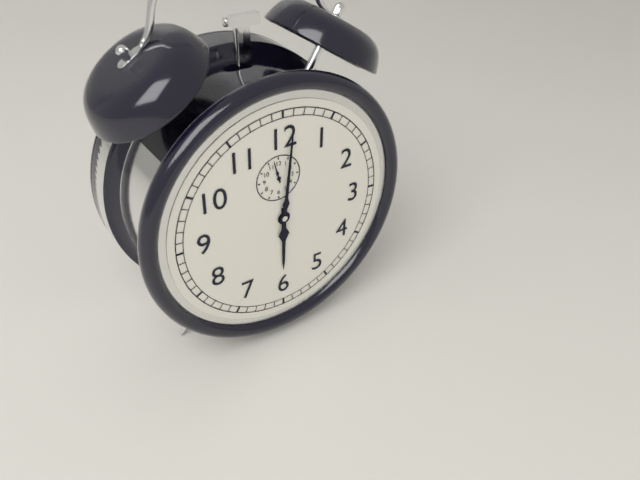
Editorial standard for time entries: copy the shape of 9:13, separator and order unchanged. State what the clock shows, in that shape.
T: 6:01
